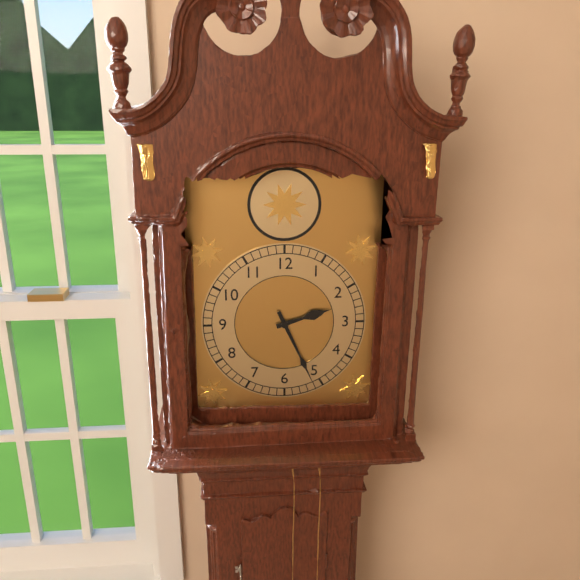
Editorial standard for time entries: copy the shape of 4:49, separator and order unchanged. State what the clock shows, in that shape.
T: 2:26
